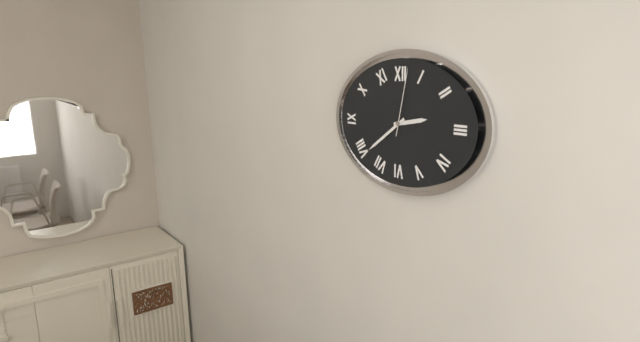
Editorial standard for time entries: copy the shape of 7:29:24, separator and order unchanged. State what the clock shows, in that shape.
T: 2:39:02
